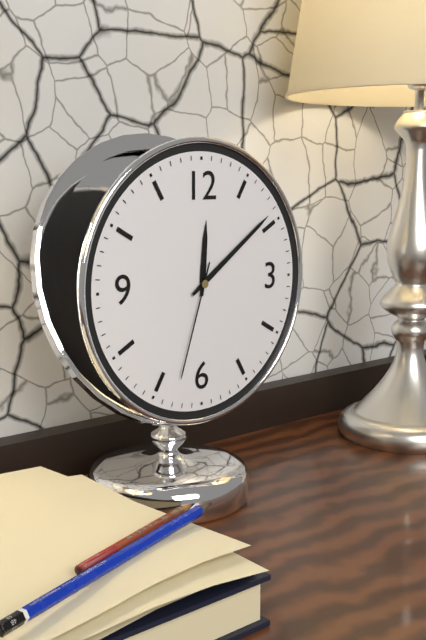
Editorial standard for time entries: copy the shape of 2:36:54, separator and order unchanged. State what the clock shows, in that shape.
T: 12:09:33
